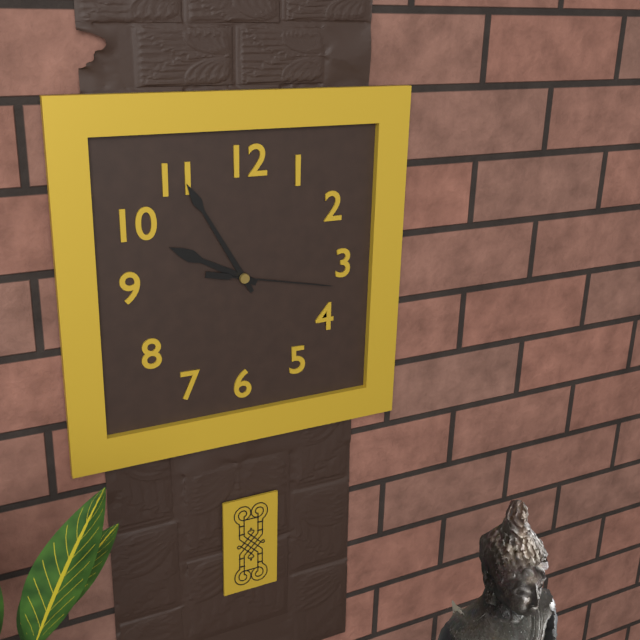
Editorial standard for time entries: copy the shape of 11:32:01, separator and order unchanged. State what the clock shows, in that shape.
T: 9:55:17
